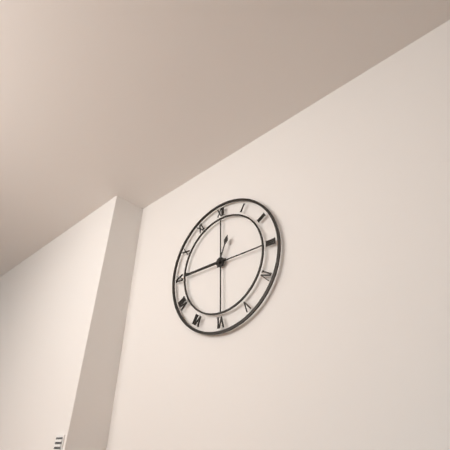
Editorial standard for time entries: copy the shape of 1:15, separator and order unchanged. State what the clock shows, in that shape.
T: 12:45
